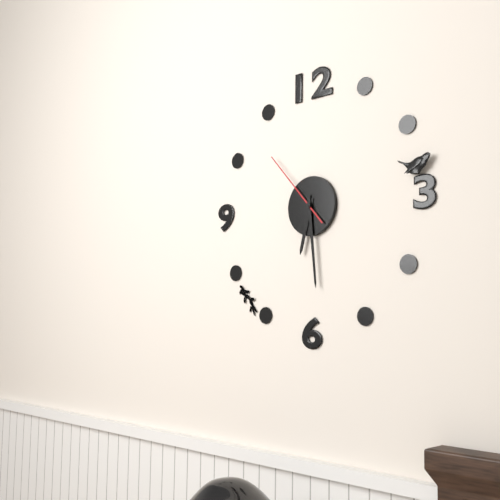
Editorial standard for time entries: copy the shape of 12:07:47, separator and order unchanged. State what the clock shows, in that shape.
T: 6:29:53
